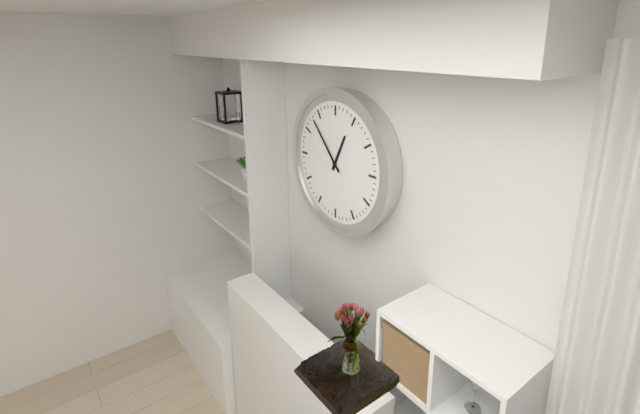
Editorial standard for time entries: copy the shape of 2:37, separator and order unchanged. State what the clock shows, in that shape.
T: 12:53
